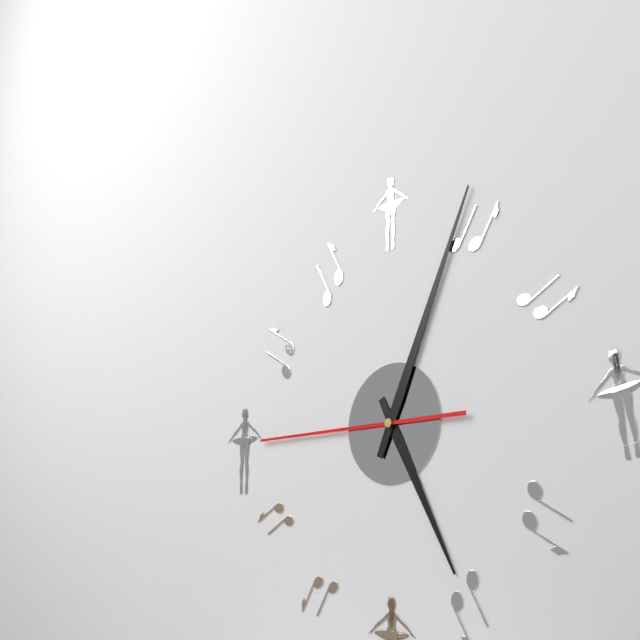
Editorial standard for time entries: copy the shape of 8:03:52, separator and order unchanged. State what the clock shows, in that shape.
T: 5:04:45
